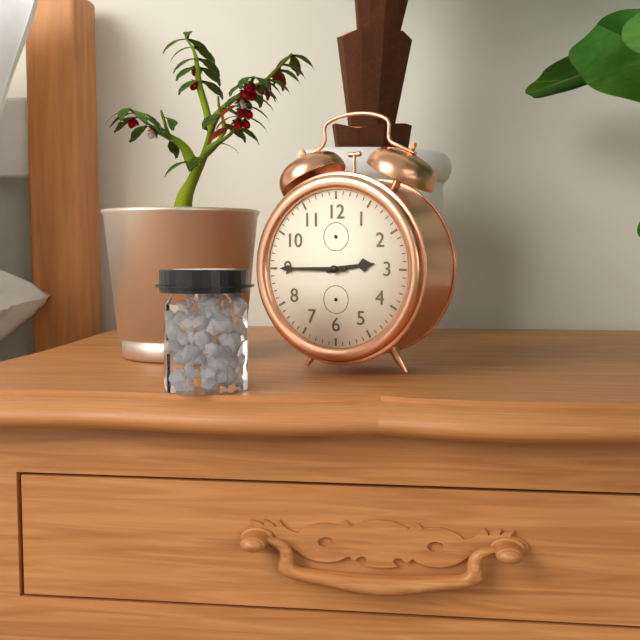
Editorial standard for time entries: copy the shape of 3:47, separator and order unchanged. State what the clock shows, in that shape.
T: 2:45
